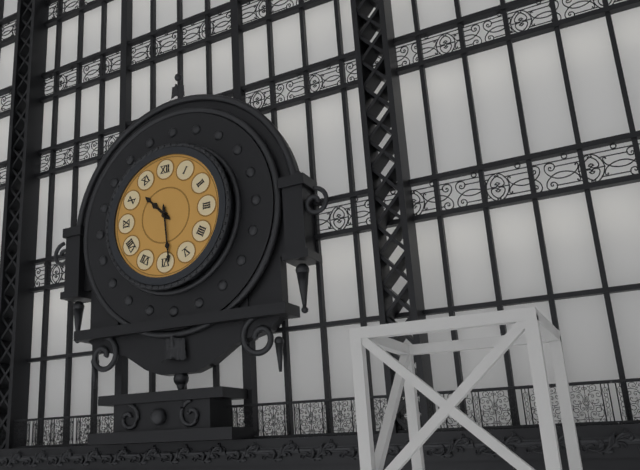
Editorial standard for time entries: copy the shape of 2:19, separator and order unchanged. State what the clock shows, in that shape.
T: 10:29
